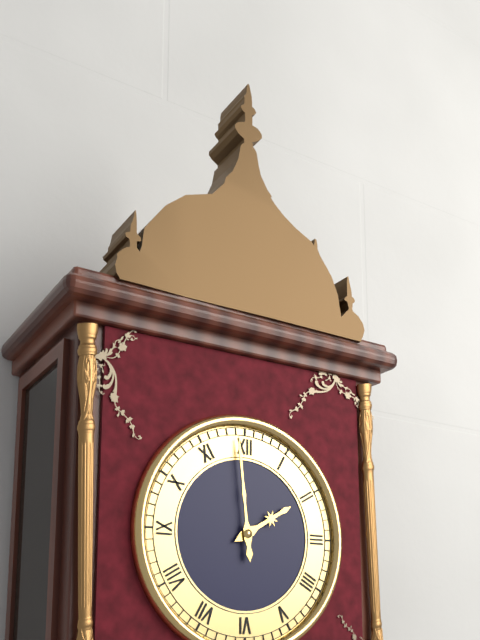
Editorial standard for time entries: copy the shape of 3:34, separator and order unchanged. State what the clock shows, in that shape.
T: 1:59
